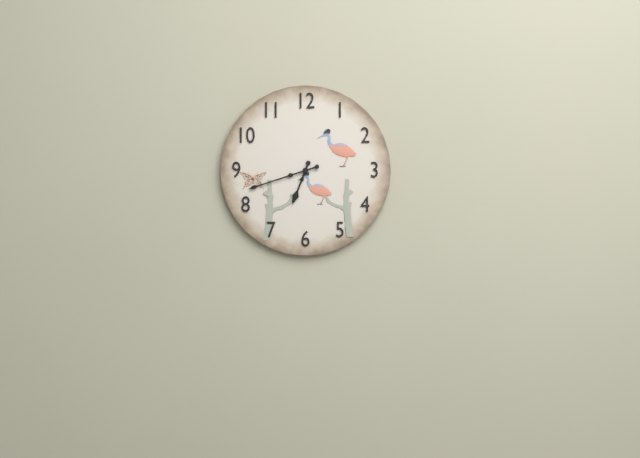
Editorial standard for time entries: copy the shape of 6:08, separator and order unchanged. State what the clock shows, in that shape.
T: 6:42
